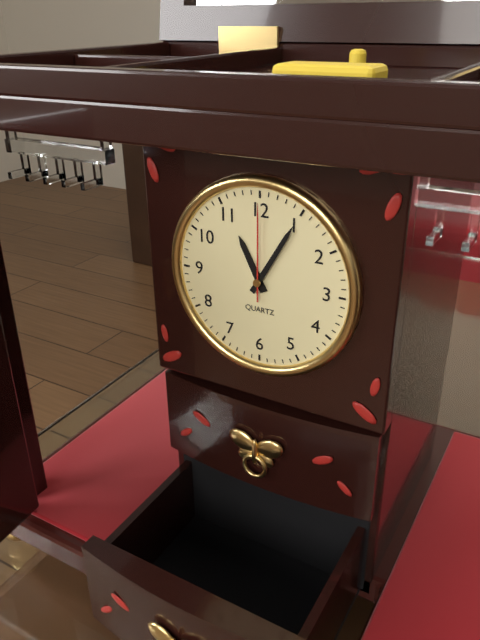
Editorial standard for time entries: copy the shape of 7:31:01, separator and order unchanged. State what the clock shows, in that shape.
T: 11:05:00
